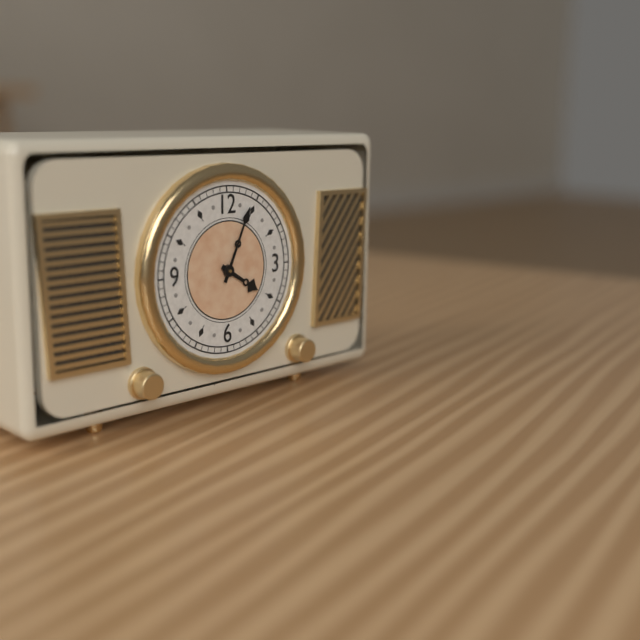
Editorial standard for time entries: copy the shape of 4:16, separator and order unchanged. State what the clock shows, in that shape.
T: 4:04
